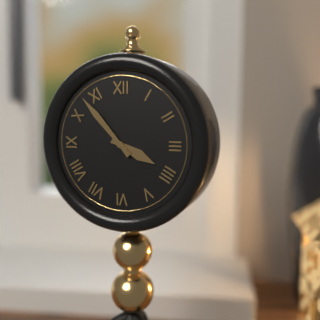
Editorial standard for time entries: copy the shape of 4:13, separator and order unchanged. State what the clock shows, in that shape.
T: 3:53
